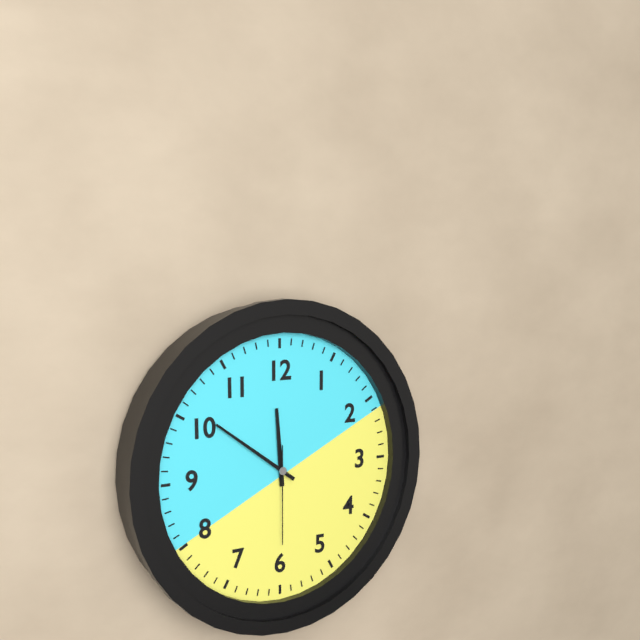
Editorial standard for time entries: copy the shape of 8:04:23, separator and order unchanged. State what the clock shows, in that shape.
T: 11:51:30
